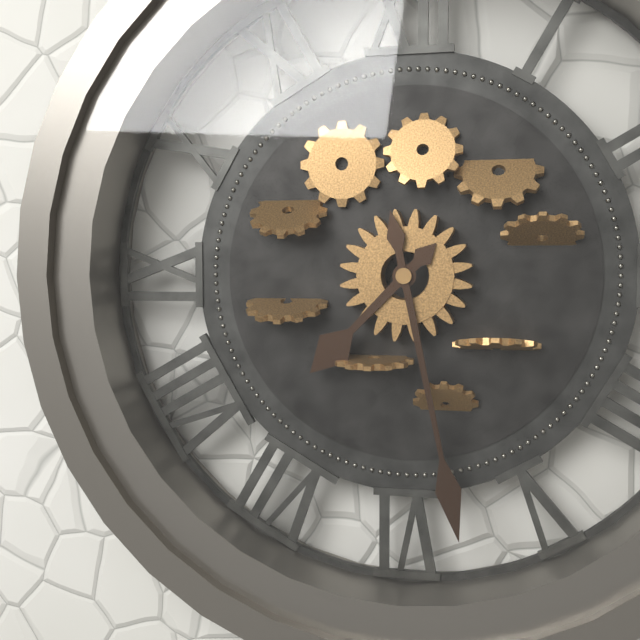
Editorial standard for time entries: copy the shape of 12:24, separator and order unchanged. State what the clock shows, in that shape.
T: 7:28
